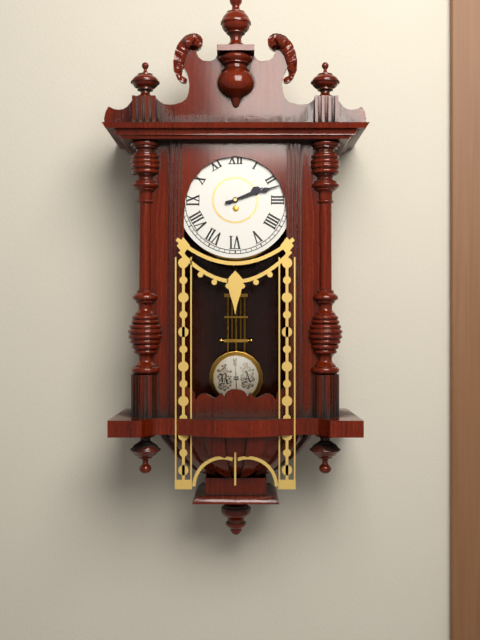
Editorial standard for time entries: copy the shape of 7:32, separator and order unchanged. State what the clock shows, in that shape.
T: 2:12
